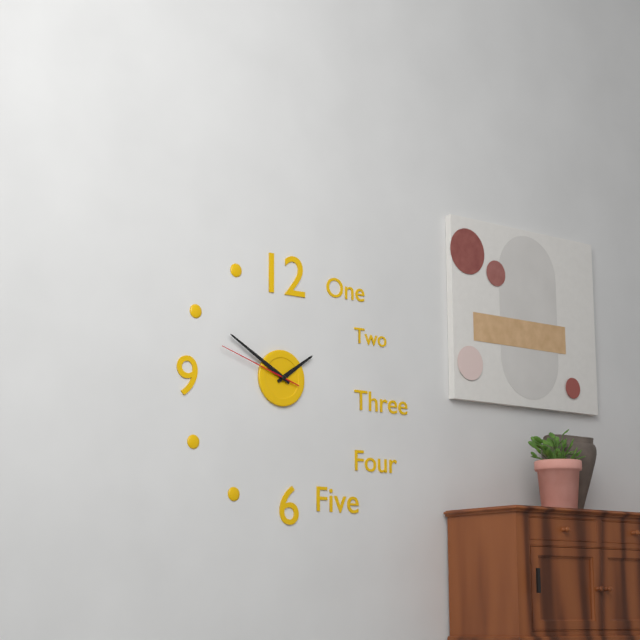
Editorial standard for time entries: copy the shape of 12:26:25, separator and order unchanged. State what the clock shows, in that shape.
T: 1:50:48
